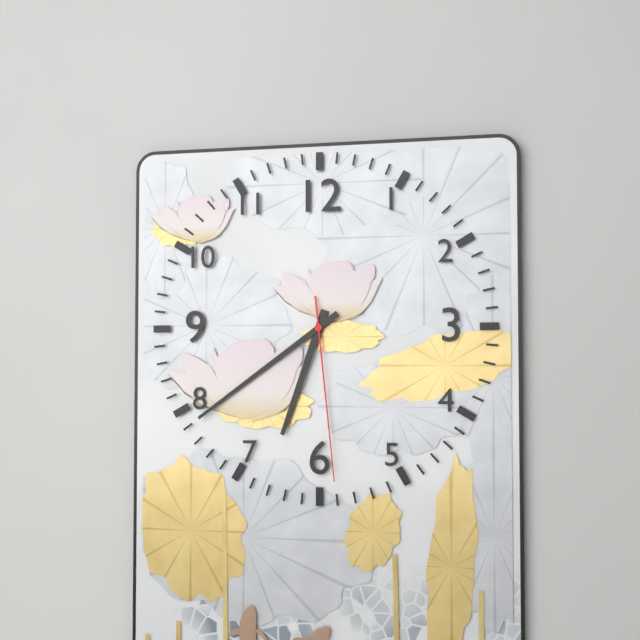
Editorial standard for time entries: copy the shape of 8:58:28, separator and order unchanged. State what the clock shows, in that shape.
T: 6:39:29
